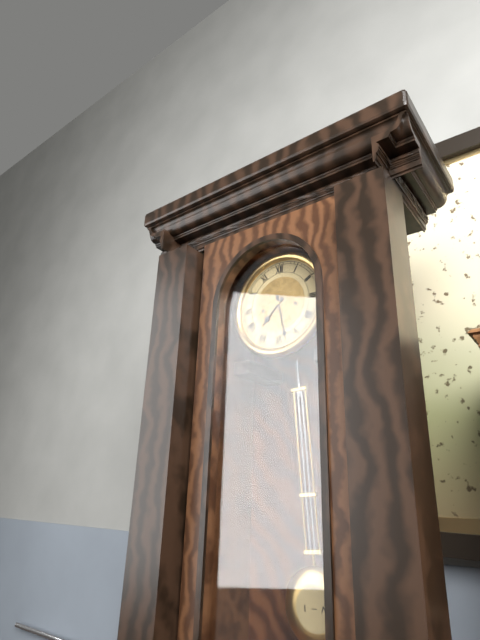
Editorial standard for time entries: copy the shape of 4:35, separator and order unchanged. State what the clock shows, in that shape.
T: 7:28
